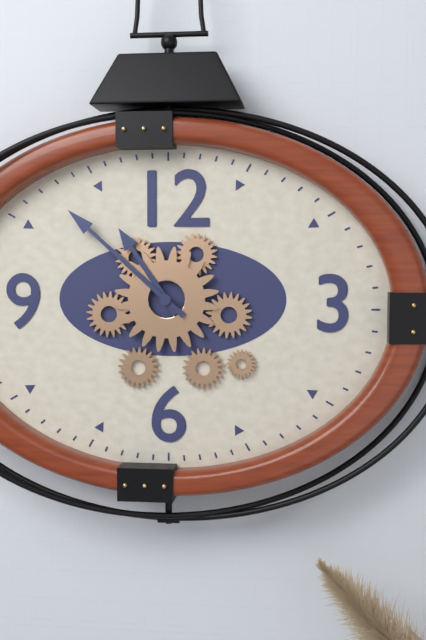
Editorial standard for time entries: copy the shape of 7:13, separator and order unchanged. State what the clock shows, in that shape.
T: 10:52
